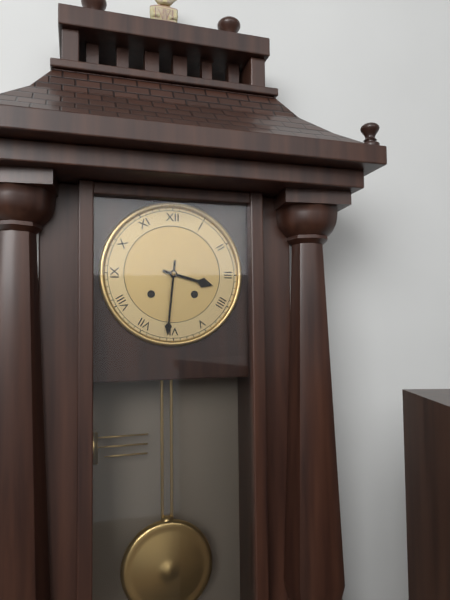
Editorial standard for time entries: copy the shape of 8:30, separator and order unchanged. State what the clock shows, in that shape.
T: 3:31
